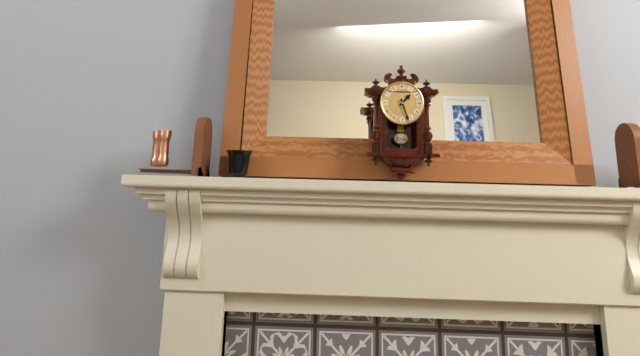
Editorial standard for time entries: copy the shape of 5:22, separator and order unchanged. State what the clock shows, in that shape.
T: 1:27
